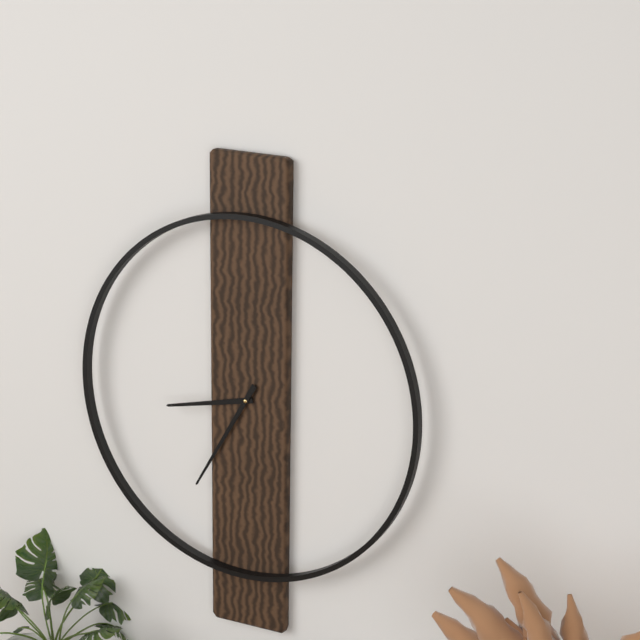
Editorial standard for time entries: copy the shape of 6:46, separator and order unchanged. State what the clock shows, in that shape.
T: 8:35
